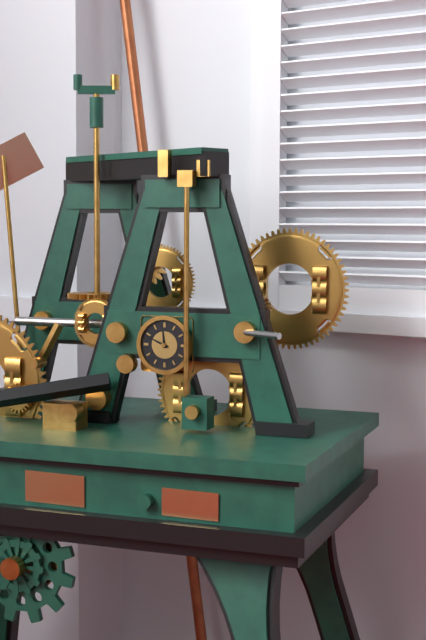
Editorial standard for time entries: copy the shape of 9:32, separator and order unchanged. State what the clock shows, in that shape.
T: 11:49
